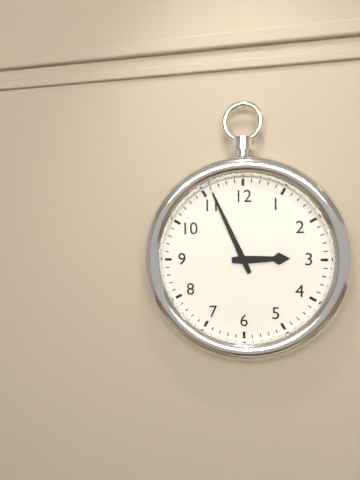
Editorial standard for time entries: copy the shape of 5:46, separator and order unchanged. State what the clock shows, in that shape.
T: 2:56
